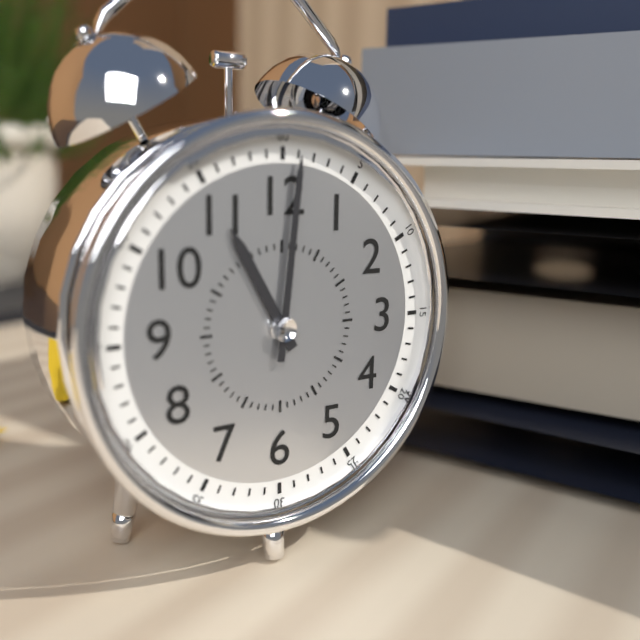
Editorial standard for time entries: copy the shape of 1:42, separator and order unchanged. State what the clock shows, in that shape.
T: 11:01
